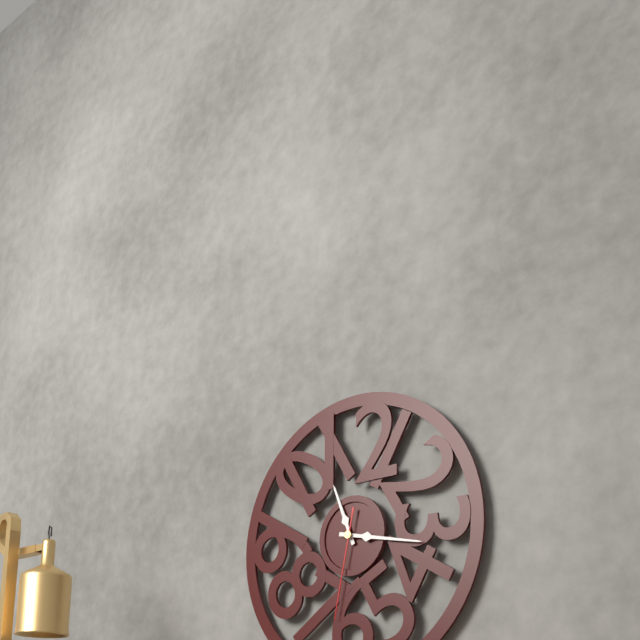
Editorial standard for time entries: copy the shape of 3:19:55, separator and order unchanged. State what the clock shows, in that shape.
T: 11:17:32
